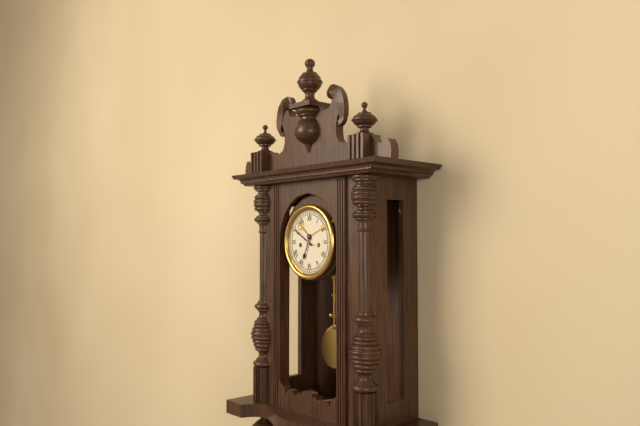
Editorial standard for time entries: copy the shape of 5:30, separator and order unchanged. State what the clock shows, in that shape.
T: 6:50
